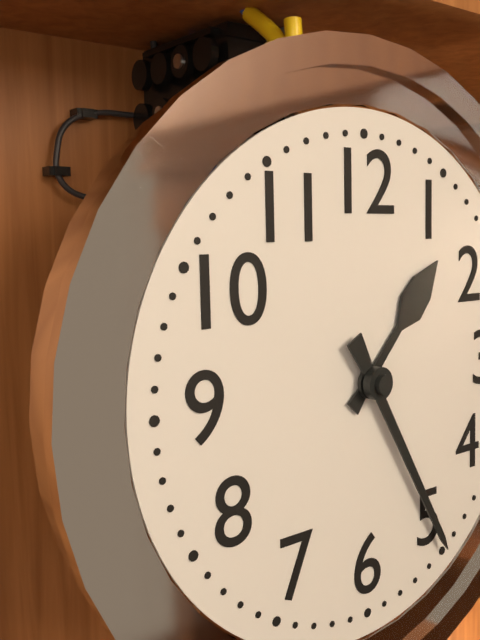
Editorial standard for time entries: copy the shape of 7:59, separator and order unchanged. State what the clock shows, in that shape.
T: 1:25
